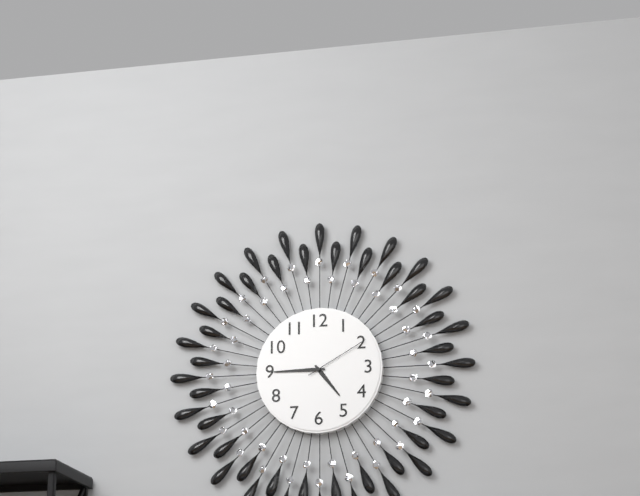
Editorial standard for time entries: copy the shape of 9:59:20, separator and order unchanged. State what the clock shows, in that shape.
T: 4:45:10
